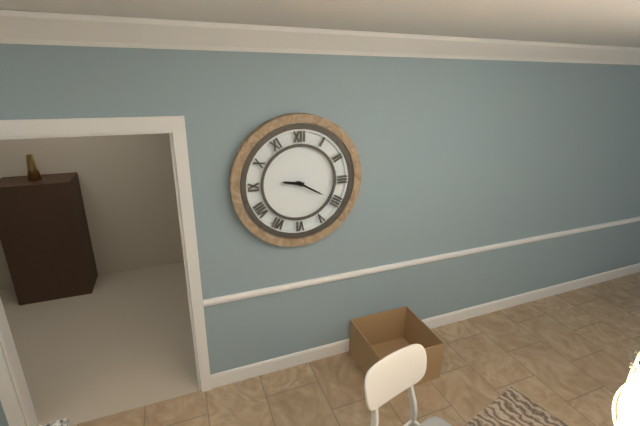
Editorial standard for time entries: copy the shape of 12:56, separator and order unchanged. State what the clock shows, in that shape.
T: 9:20
